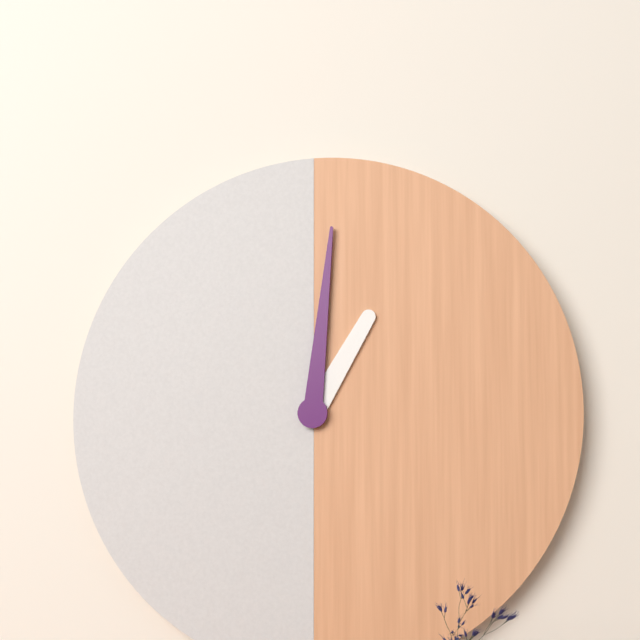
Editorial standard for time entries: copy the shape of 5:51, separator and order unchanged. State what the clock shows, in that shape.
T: 1:01
